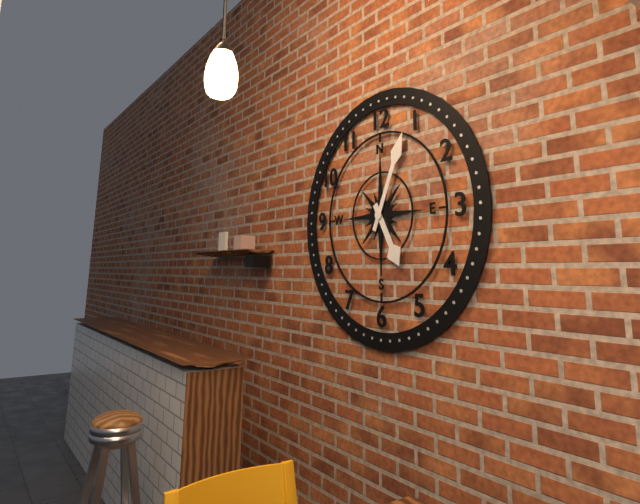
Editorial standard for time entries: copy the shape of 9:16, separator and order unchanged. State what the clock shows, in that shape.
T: 5:04
